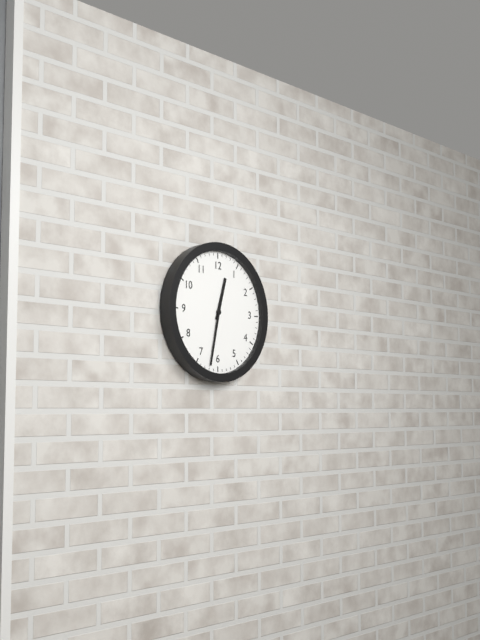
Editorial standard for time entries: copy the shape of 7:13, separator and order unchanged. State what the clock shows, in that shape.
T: 12:32
